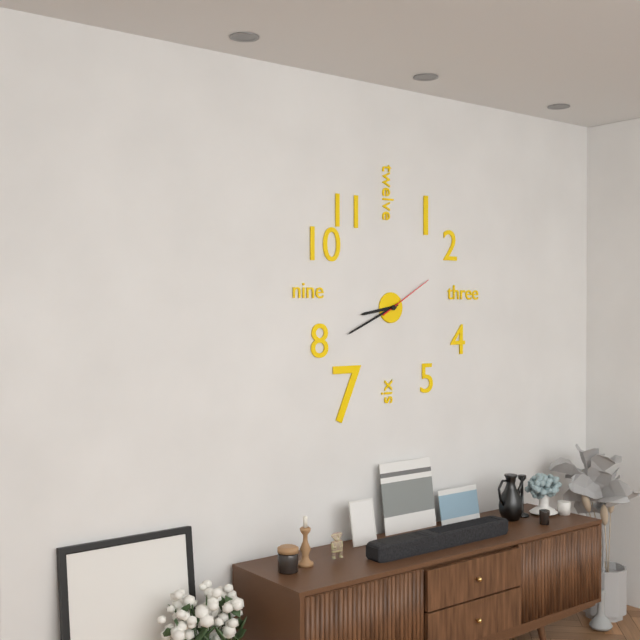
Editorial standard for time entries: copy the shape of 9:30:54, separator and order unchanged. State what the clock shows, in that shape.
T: 8:41:10
